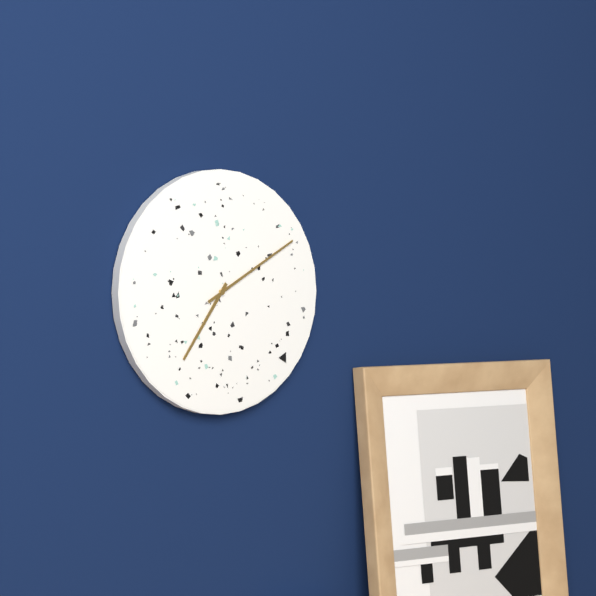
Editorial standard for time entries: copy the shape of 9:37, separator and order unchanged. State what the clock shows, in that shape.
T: 7:10
